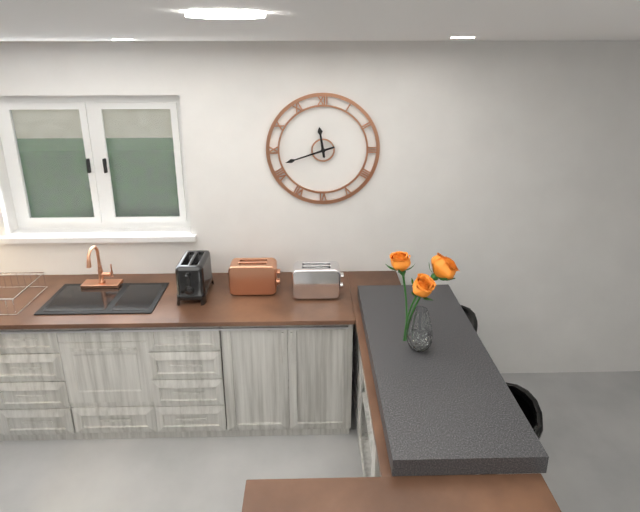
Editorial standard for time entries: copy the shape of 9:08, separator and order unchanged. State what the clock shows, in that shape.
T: 11:42
